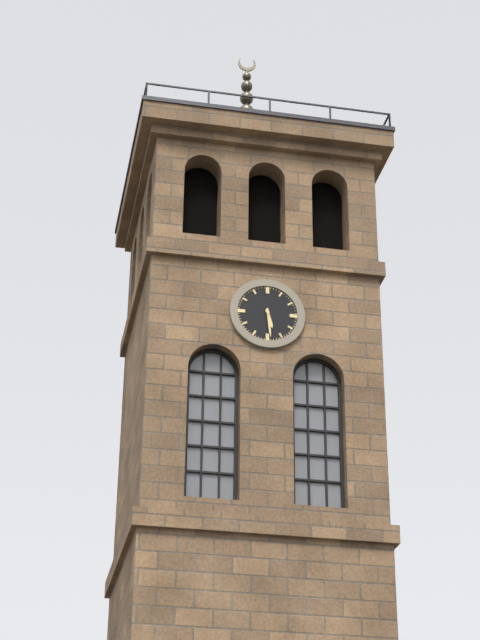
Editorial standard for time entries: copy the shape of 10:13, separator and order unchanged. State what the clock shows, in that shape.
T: 5:29
